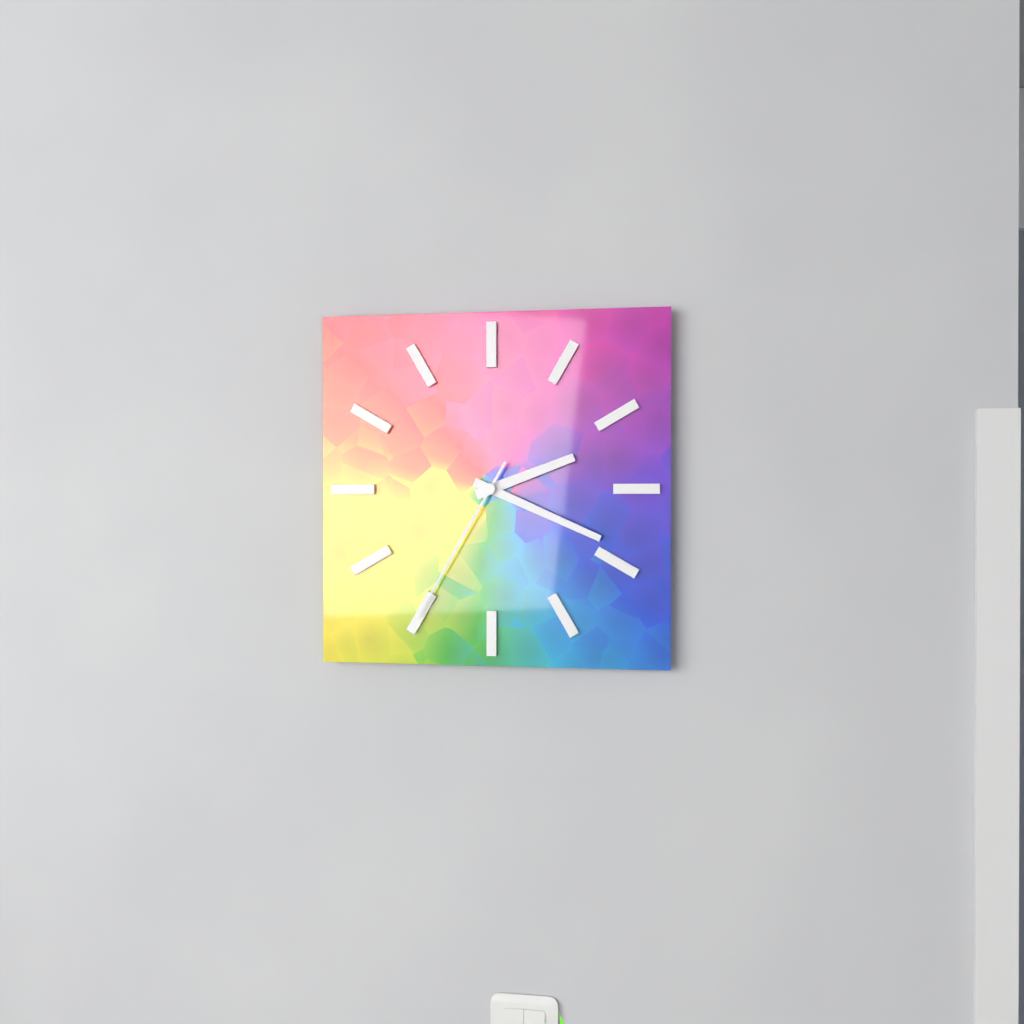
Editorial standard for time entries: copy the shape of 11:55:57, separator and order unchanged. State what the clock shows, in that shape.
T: 2:19:35
